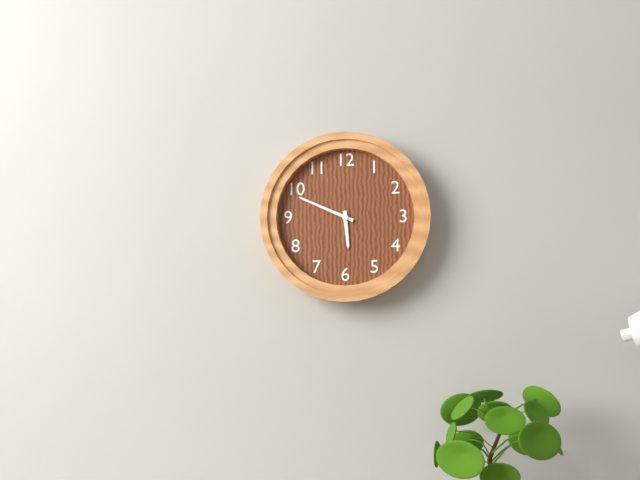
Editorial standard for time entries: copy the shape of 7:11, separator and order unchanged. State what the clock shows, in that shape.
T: 5:49
